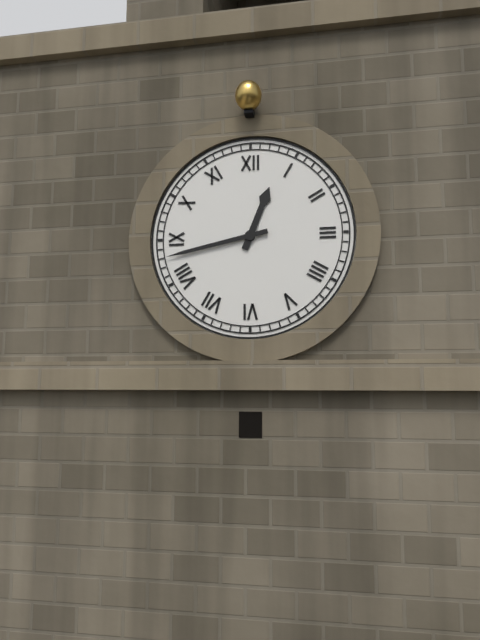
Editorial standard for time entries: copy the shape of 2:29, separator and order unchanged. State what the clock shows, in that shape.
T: 12:43
